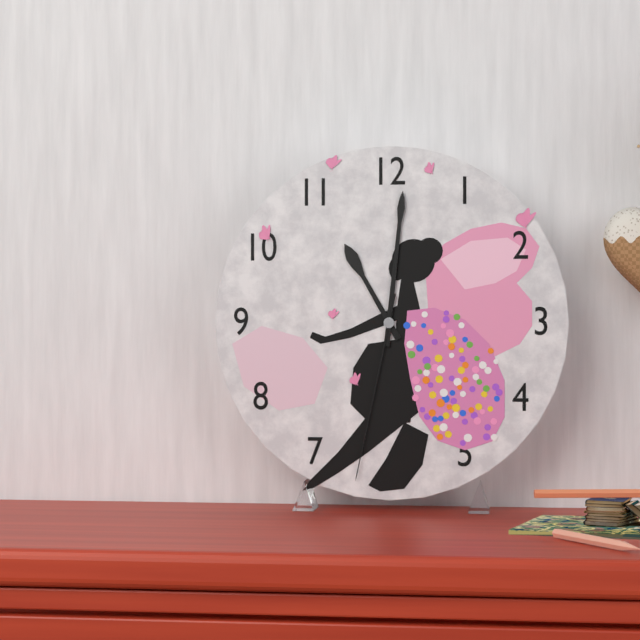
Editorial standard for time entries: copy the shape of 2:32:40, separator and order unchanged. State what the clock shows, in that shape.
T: 11:01:32
